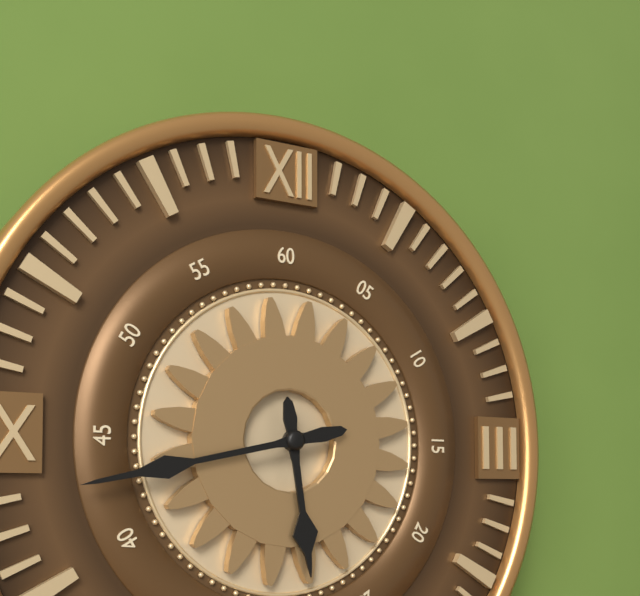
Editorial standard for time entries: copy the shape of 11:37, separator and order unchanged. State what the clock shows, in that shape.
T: 5:43
